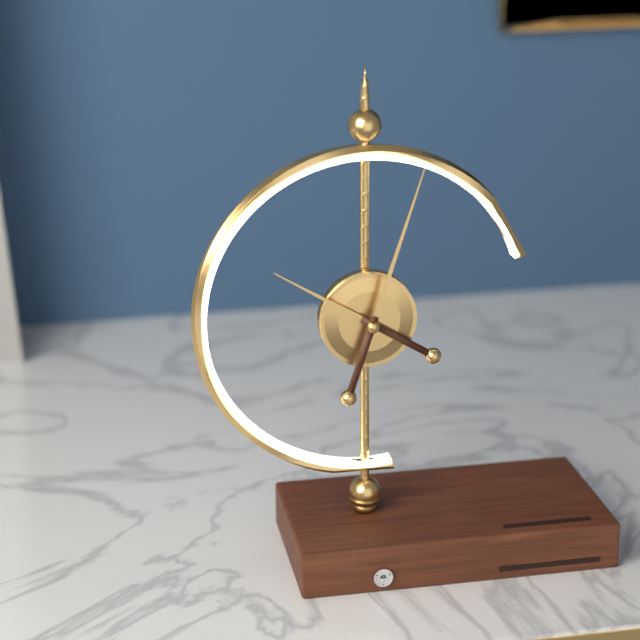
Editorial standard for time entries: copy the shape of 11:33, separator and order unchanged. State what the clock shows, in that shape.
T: 10:03
